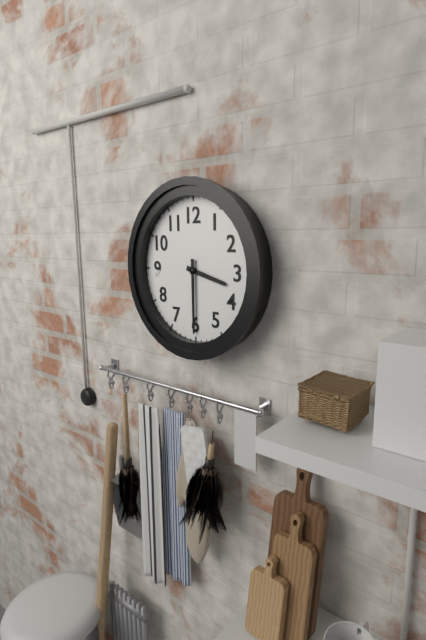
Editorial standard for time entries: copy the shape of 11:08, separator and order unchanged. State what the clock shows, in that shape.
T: 3:30
